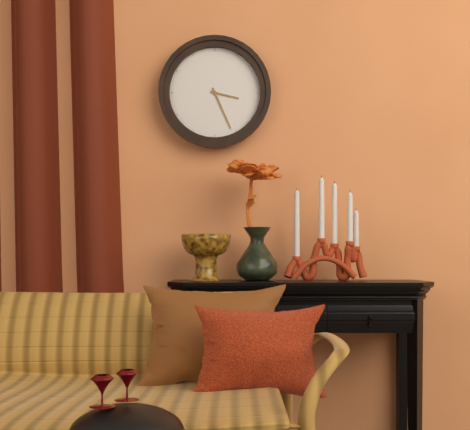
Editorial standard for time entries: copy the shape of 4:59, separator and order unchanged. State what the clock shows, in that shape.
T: 3:26
